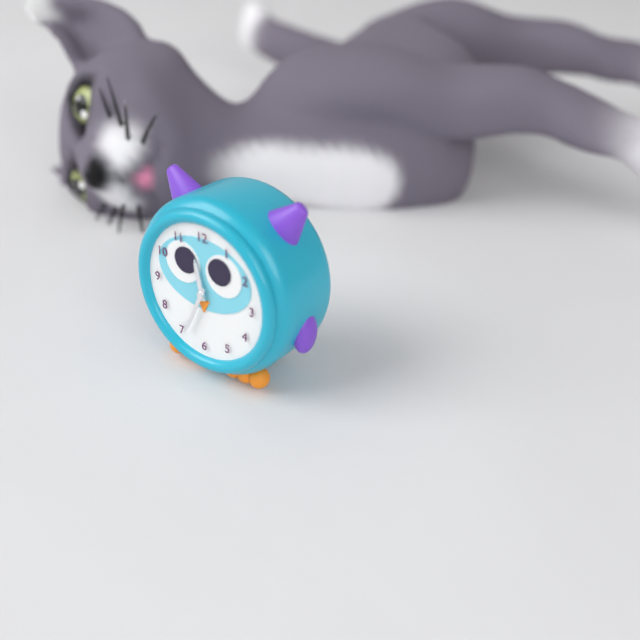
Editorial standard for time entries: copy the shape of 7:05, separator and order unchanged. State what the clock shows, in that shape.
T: 11:34
